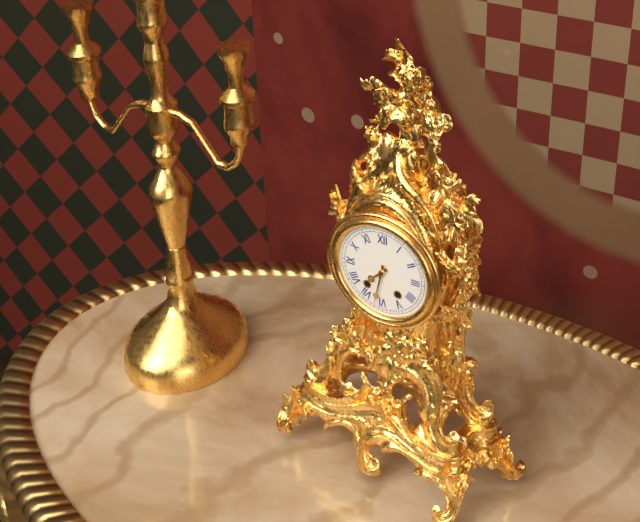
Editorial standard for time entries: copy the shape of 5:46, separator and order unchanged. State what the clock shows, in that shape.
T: 7:32
